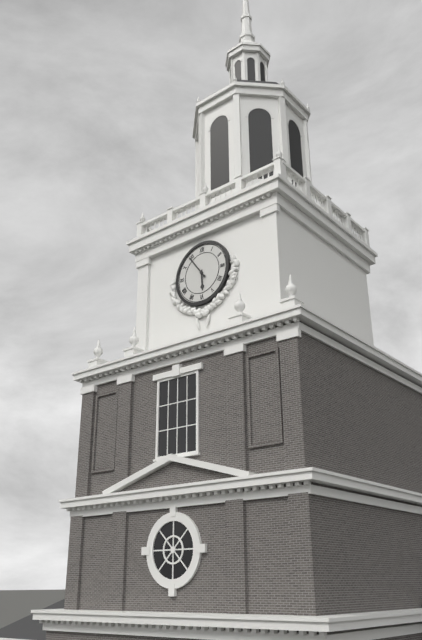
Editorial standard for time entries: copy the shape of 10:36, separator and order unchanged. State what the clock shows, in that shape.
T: 5:54
